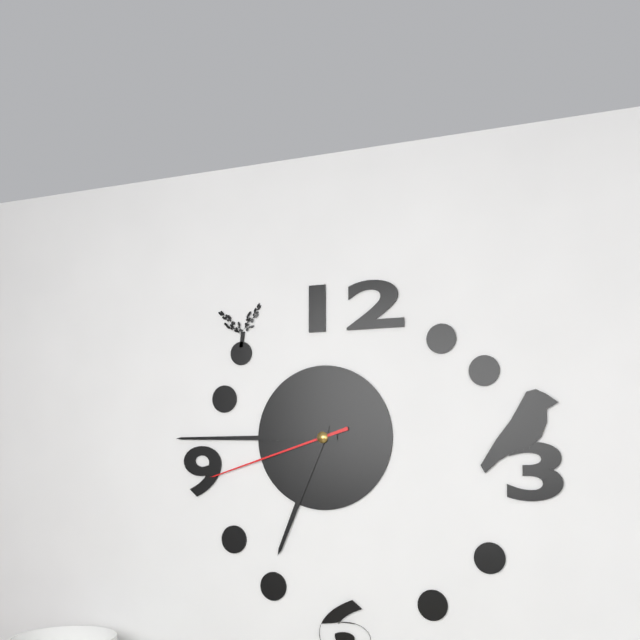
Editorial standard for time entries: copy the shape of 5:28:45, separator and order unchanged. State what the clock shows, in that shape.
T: 6:45:42
